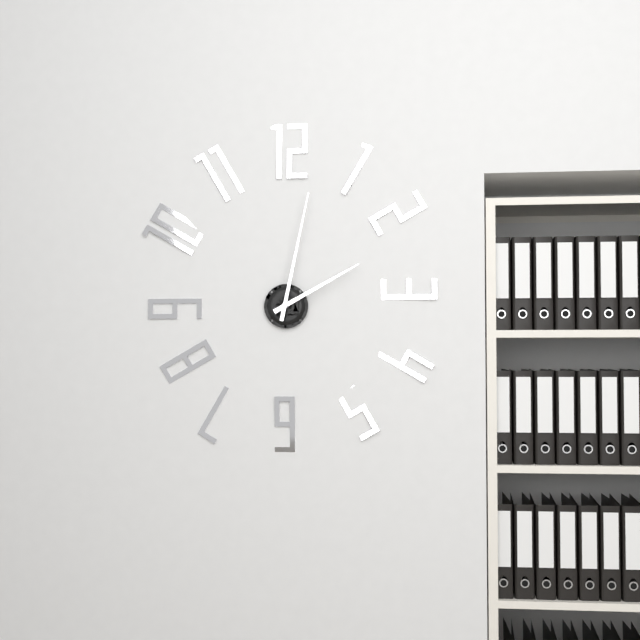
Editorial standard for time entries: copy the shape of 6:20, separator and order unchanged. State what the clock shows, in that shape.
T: 2:02
